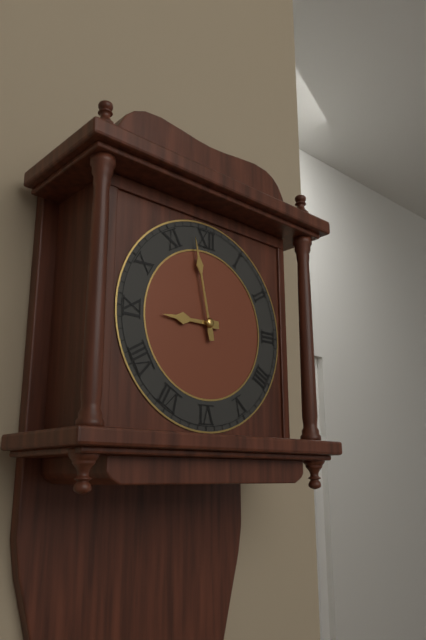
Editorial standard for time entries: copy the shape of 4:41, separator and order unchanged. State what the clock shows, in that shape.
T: 8:58
